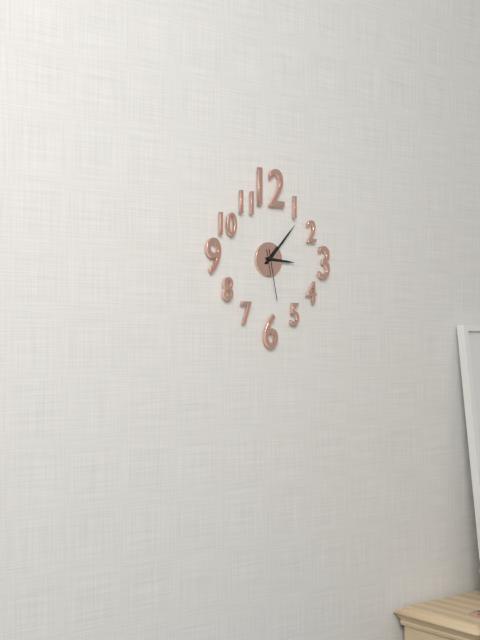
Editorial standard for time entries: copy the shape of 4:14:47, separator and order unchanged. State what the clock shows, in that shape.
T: 3:07:28
